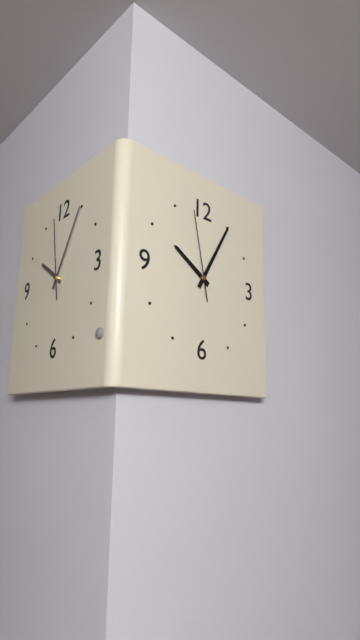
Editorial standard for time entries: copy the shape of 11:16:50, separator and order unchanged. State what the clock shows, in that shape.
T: 10:05:58
